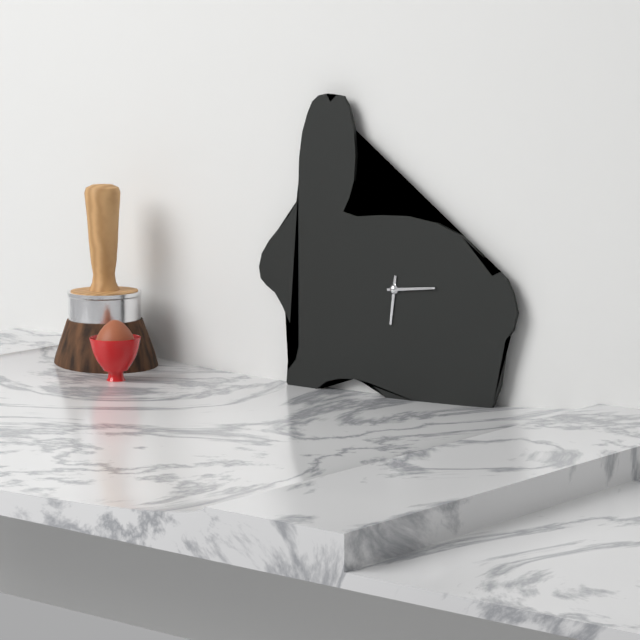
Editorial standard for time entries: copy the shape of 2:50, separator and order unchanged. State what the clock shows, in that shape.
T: 6:14
